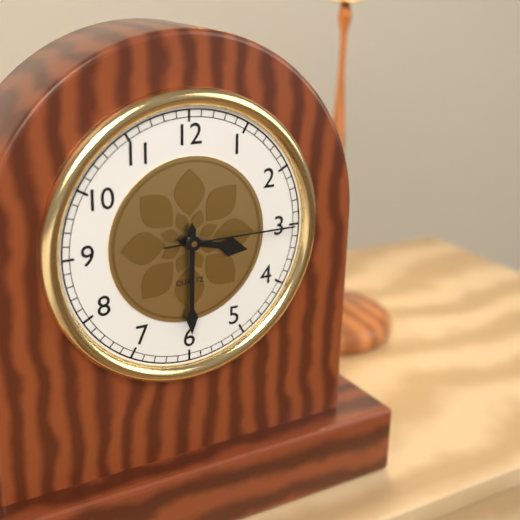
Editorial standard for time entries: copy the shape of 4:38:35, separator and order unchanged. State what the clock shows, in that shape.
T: 3:30:15
